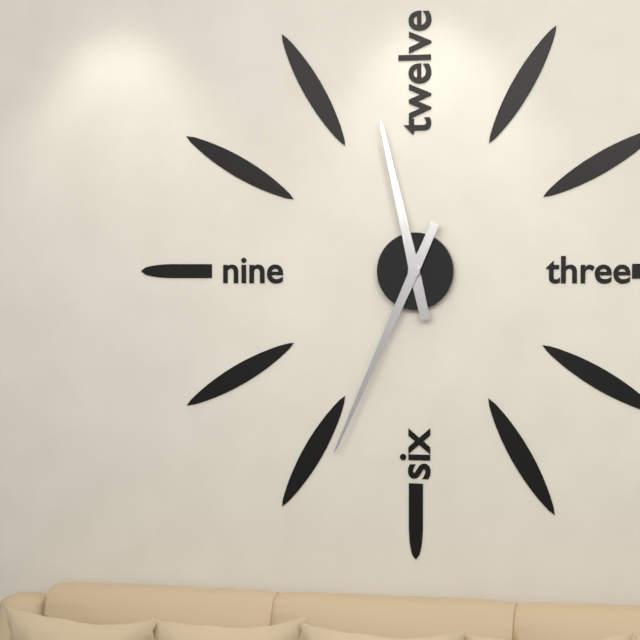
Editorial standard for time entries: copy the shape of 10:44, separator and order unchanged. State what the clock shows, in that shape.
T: 11:34
